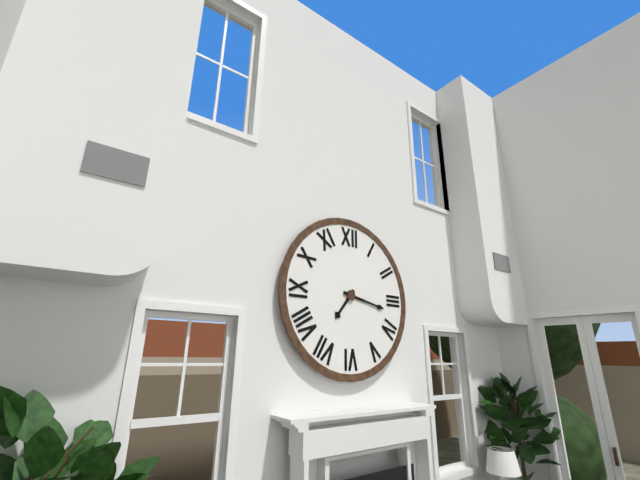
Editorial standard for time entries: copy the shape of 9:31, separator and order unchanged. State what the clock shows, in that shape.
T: 7:17
